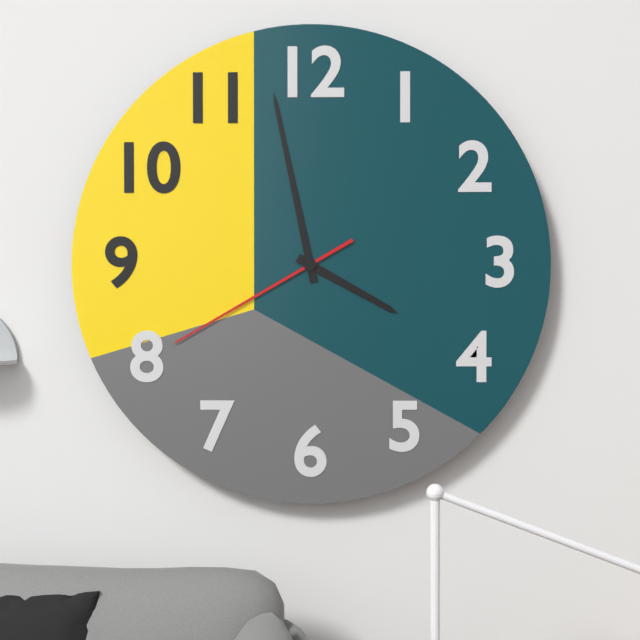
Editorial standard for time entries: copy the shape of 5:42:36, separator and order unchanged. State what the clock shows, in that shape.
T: 3:58:40
